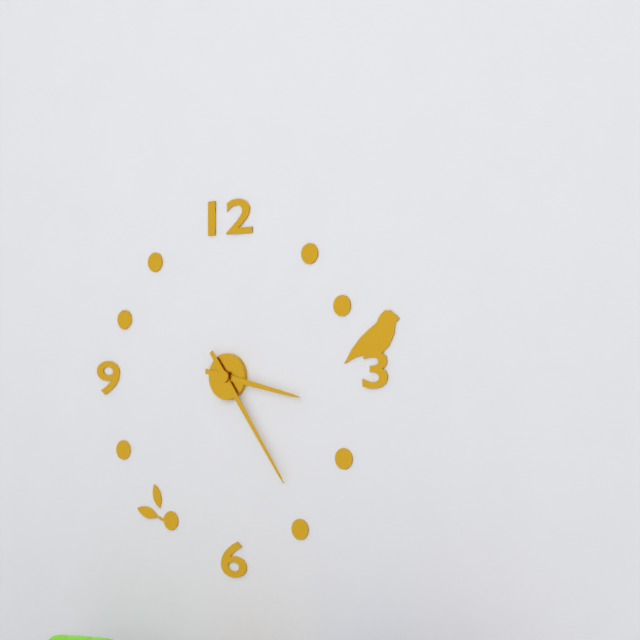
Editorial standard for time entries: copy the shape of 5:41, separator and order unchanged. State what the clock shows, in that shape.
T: 3:24
